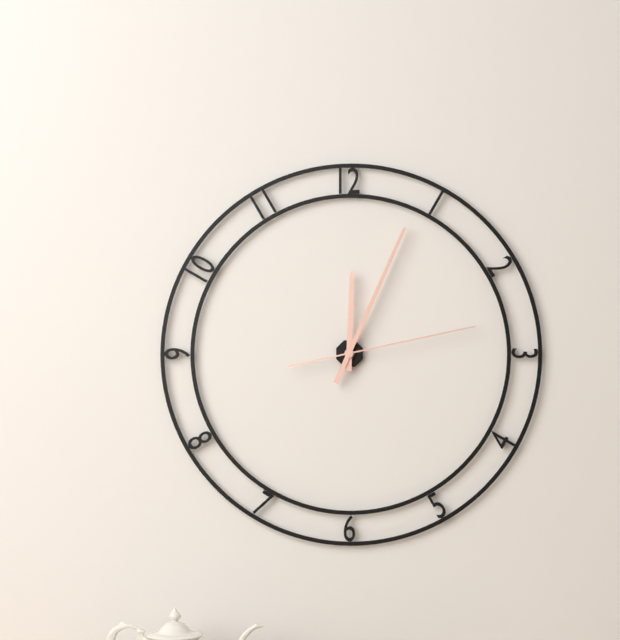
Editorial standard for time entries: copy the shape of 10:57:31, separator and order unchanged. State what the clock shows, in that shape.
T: 12:04:13
